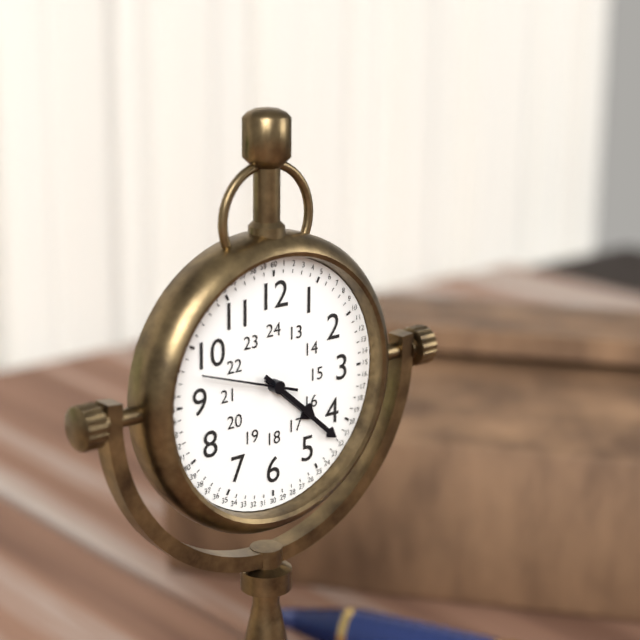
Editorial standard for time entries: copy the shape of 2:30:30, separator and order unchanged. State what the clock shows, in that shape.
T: 4:22:48
